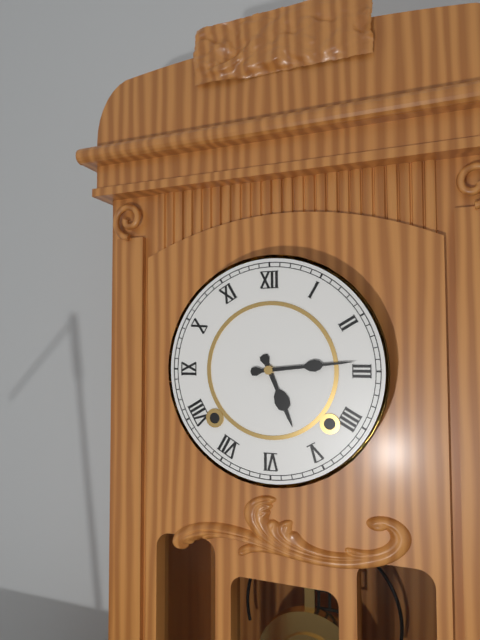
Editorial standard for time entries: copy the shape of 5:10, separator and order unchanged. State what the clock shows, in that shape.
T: 5:14
